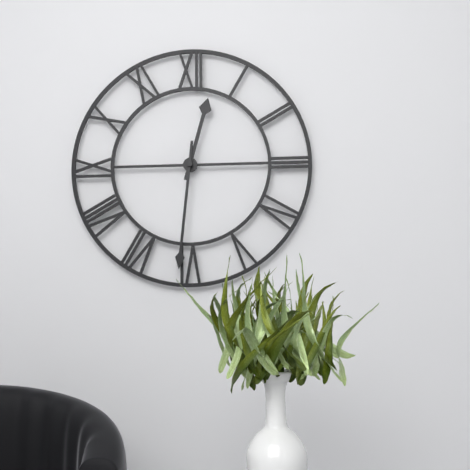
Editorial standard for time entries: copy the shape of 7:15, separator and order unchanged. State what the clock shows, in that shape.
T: 12:31
